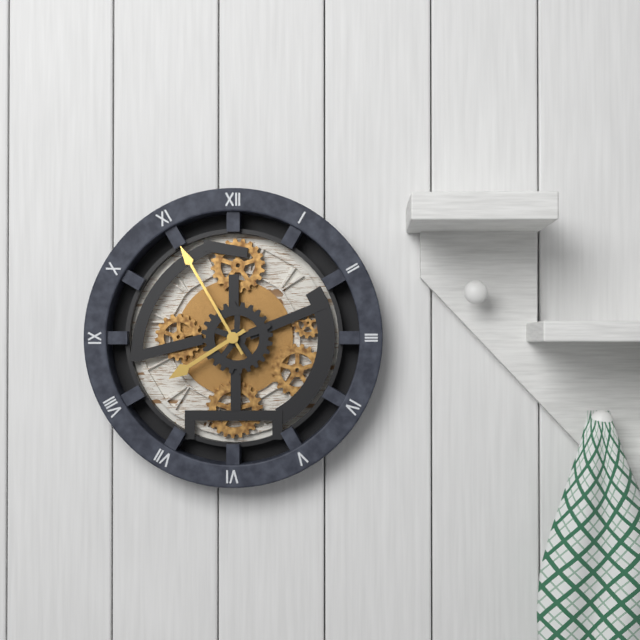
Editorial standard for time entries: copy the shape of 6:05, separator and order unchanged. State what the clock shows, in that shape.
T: 7:55
